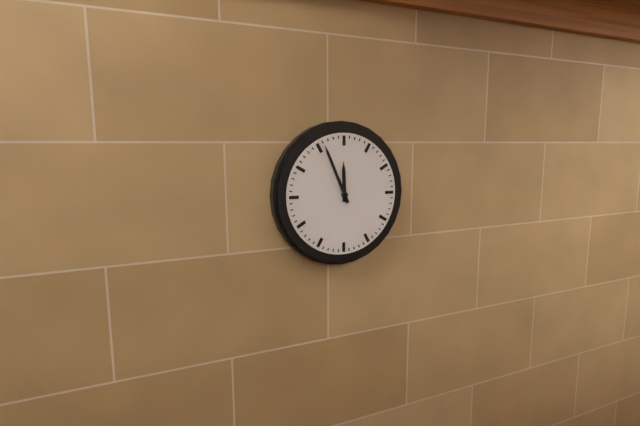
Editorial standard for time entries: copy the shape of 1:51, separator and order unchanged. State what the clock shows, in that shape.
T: 11:56
